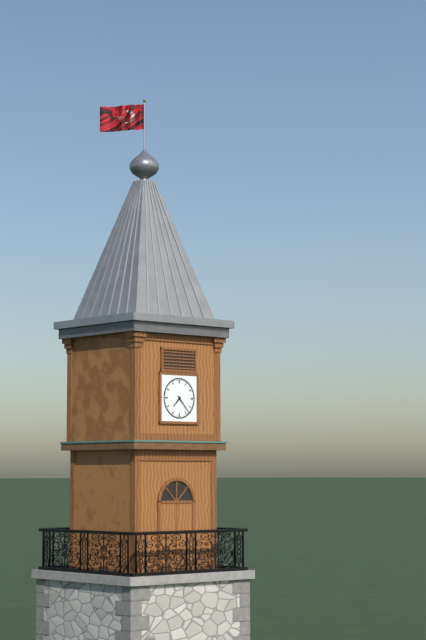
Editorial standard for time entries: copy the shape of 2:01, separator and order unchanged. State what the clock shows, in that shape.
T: 7:23
